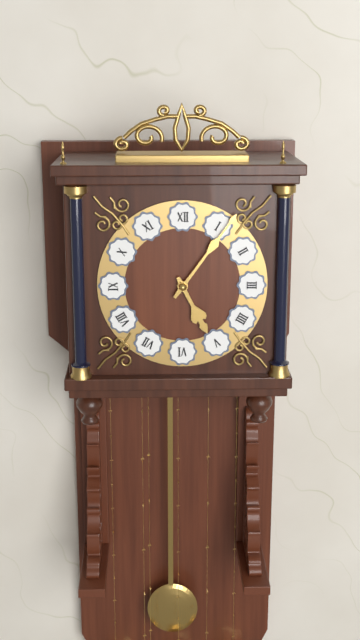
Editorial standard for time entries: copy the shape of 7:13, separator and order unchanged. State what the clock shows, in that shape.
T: 5:06
